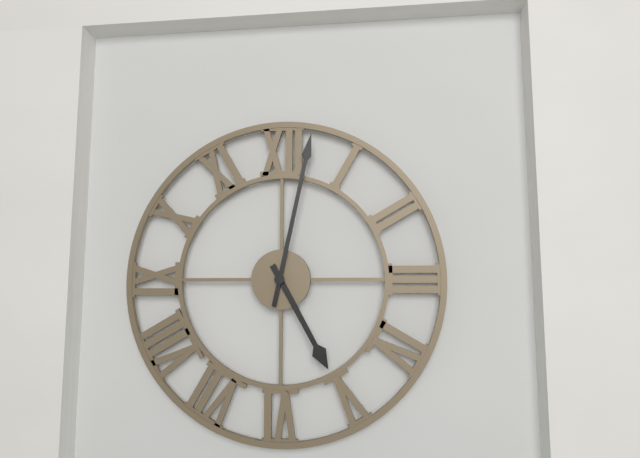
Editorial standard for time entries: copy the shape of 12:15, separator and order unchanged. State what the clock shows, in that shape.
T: 5:02
